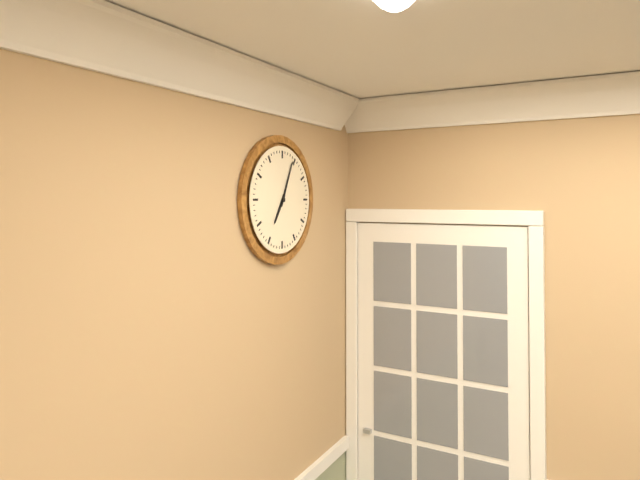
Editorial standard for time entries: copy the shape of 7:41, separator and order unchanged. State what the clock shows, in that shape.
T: 7:04
